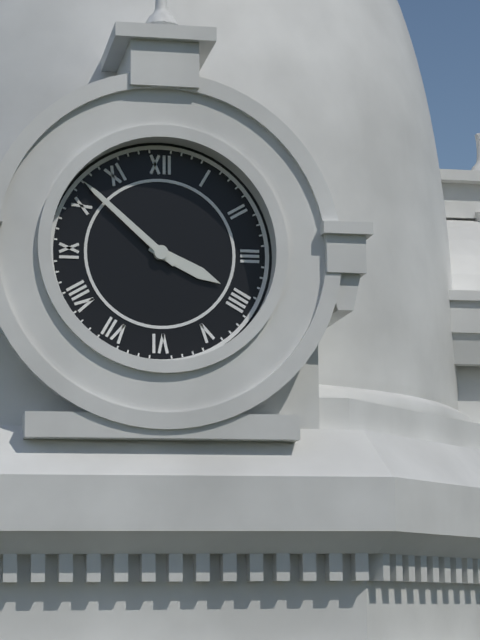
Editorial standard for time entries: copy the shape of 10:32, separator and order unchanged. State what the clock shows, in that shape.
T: 3:52
